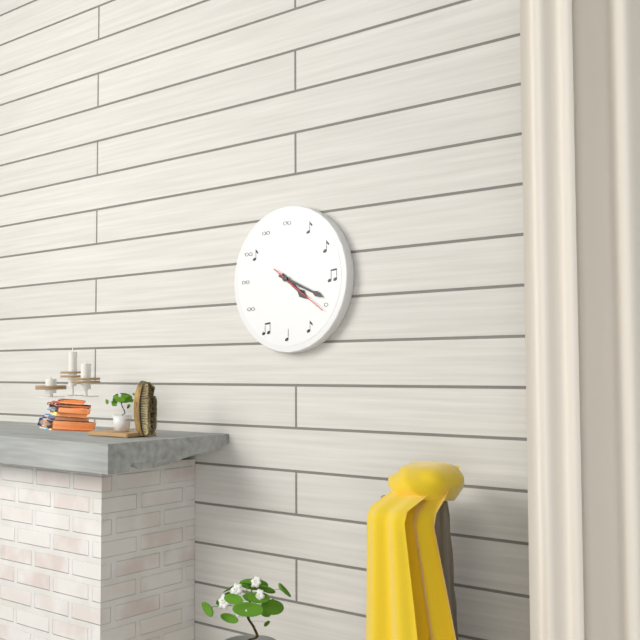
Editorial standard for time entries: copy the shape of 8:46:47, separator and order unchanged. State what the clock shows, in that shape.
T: 4:19:21
